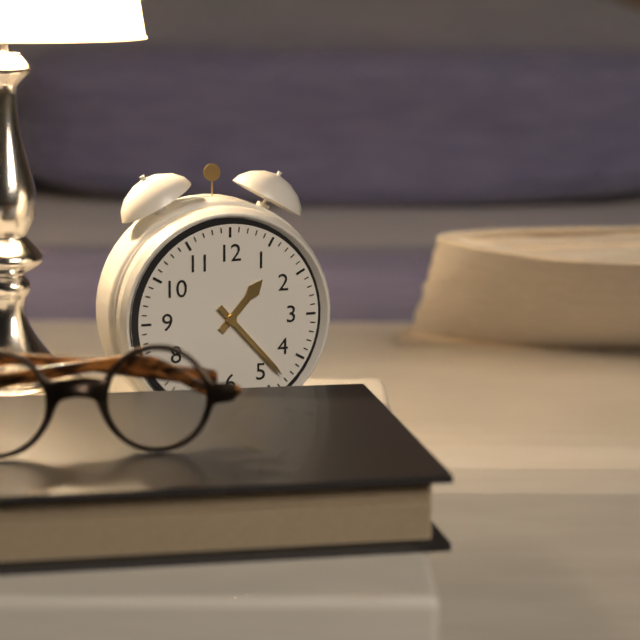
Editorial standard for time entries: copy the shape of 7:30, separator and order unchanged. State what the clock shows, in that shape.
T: 1:23
